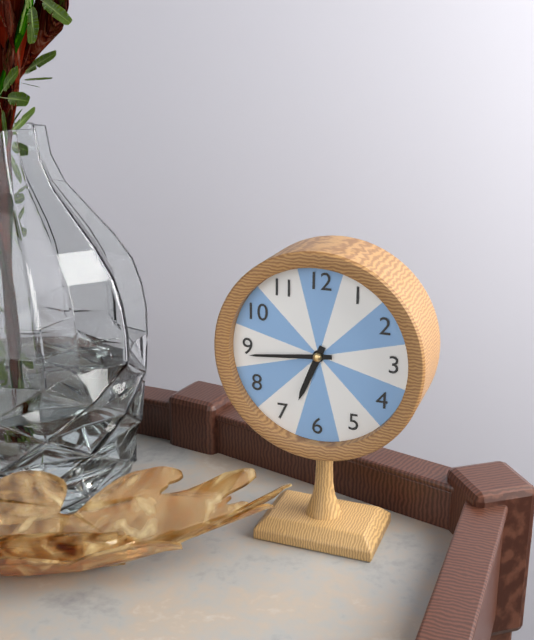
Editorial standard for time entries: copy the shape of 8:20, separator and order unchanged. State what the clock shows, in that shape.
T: 6:44
